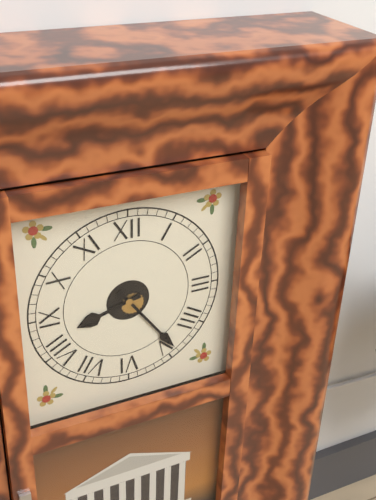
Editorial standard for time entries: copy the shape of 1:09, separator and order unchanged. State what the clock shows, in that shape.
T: 8:24
